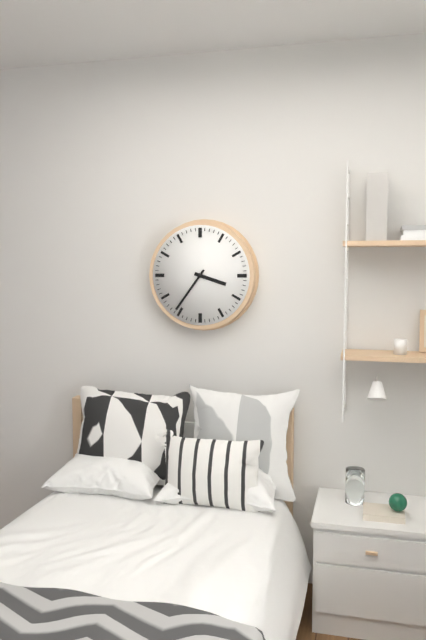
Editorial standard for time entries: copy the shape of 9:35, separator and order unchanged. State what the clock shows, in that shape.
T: 3:36
